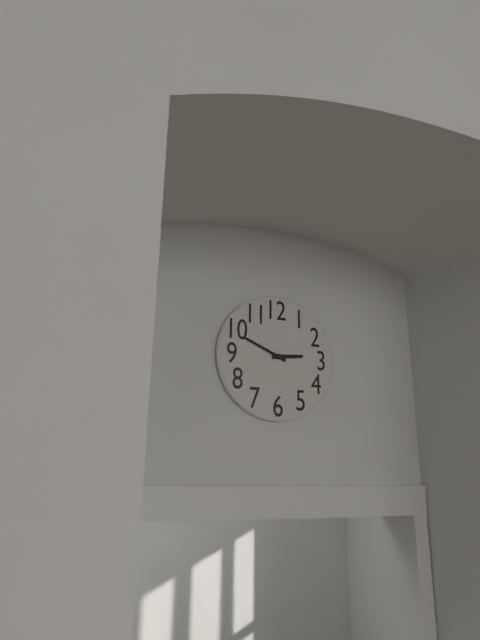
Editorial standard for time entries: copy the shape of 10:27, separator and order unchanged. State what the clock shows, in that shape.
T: 2:49
